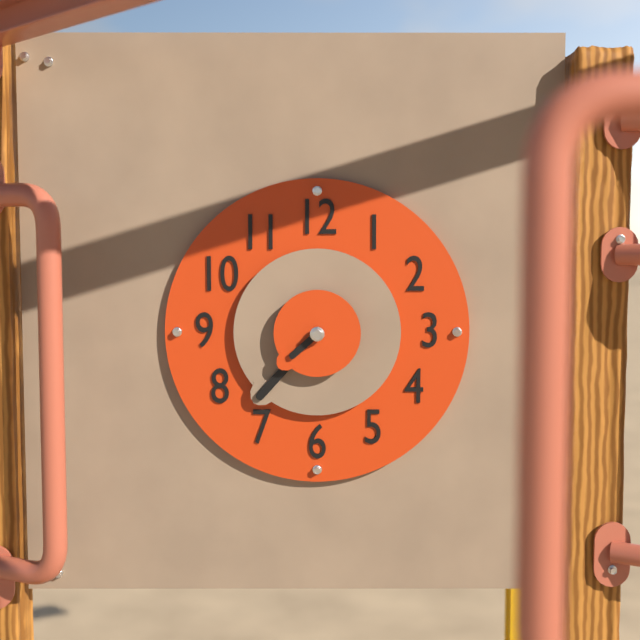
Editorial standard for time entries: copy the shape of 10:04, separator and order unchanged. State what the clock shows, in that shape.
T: 7:37
